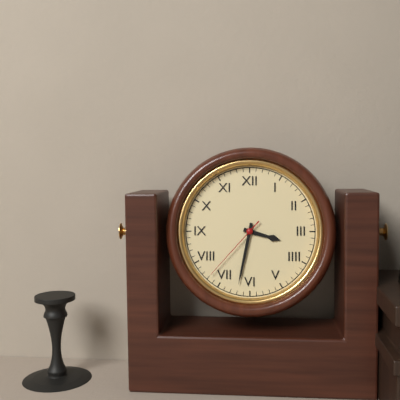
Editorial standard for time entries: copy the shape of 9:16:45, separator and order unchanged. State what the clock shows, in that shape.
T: 3:32:37
